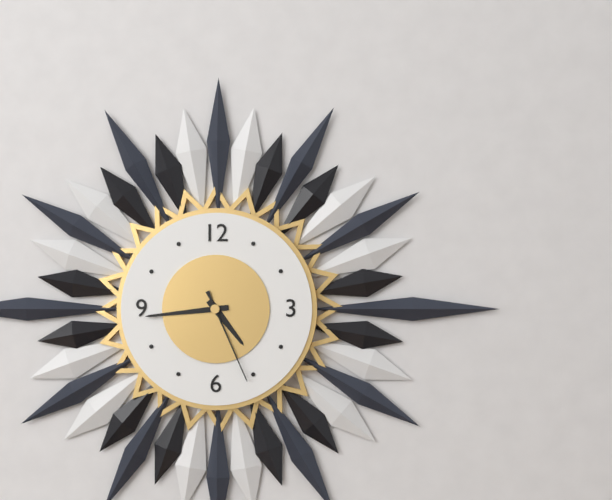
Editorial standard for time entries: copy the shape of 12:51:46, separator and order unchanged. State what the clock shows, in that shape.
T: 4:44:26
